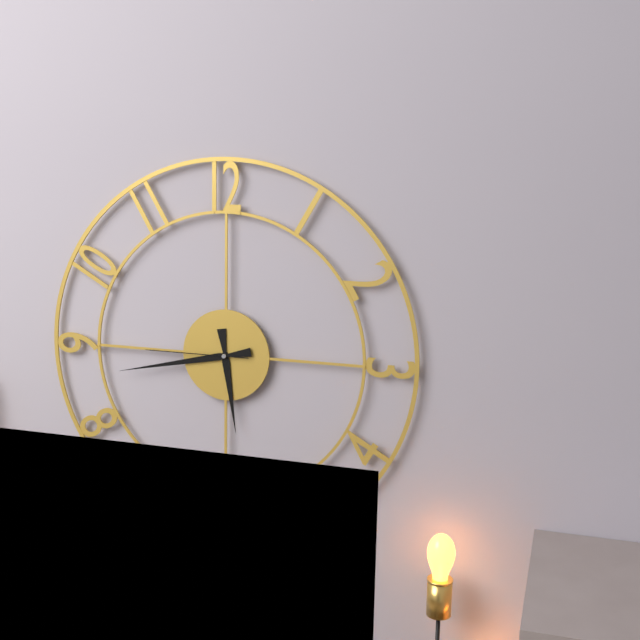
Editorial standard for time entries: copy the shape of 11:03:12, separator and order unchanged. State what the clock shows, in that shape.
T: 5:43:45
